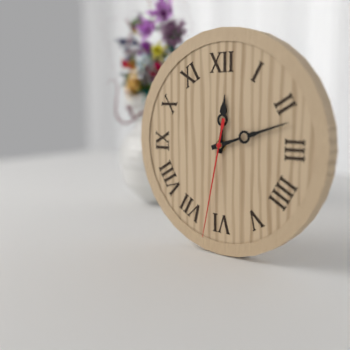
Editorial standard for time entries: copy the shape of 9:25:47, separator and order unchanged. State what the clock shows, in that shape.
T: 12:12:32
